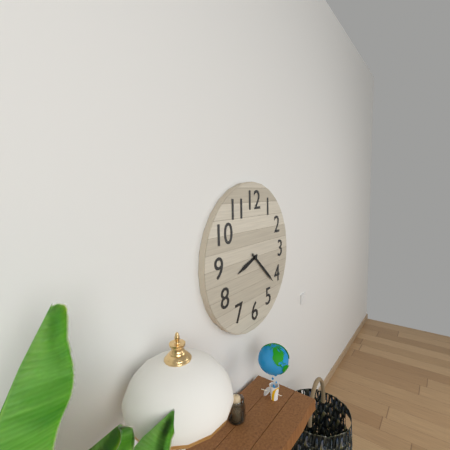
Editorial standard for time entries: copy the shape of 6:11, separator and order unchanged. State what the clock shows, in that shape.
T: 8:22
